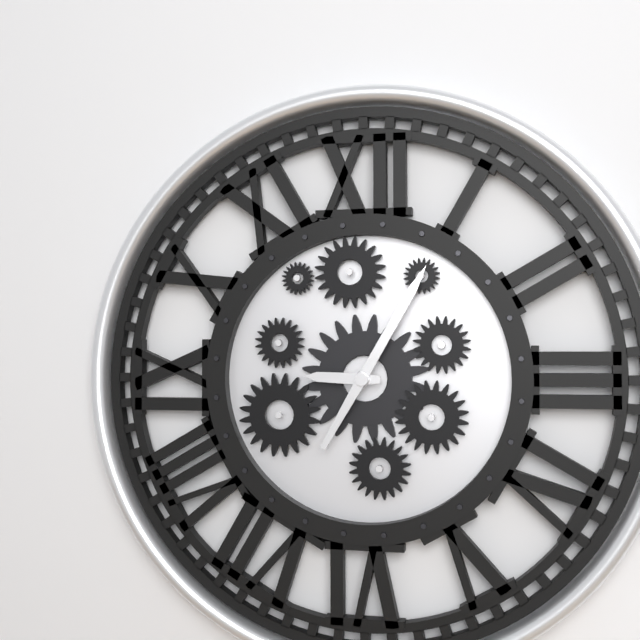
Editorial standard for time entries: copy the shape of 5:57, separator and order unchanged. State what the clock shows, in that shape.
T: 9:05
